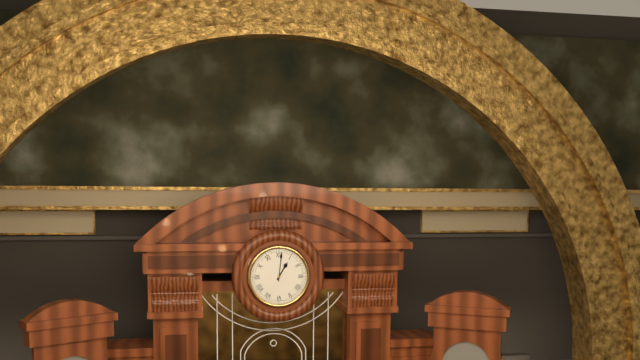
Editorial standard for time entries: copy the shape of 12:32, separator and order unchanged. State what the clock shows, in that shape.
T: 1:01
